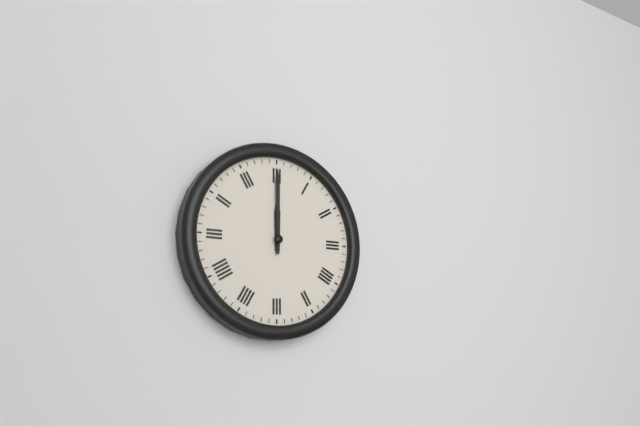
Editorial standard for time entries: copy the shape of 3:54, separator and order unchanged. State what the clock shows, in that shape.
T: 12:00
